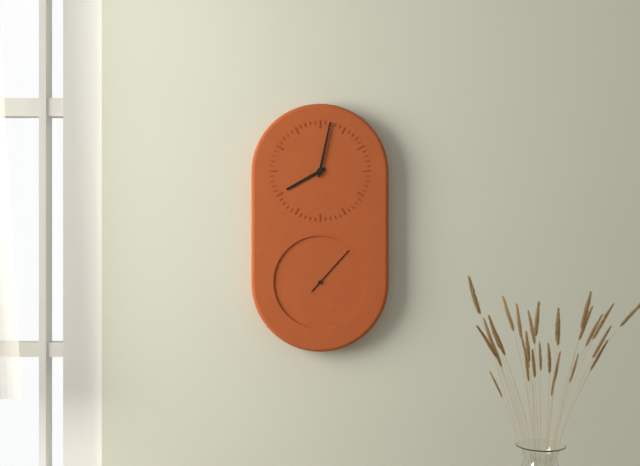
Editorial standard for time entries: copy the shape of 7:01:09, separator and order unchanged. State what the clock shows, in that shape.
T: 8:02:07
